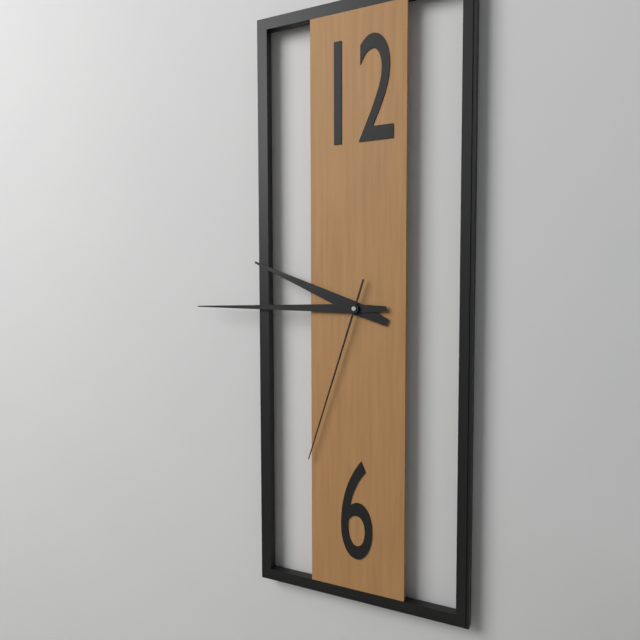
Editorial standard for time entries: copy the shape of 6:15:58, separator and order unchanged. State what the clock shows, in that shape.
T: 9:45:33
